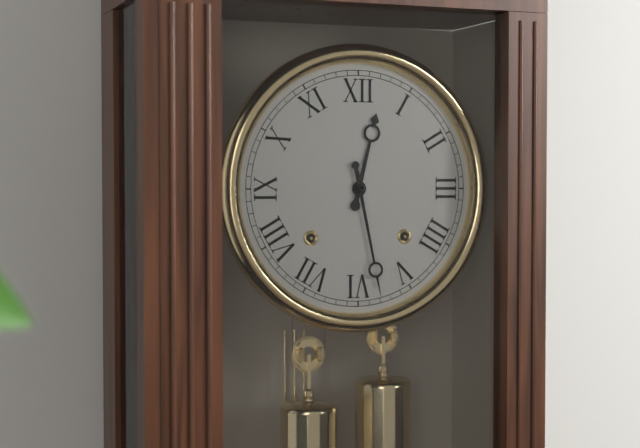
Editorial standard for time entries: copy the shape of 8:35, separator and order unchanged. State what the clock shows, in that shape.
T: 12:28
